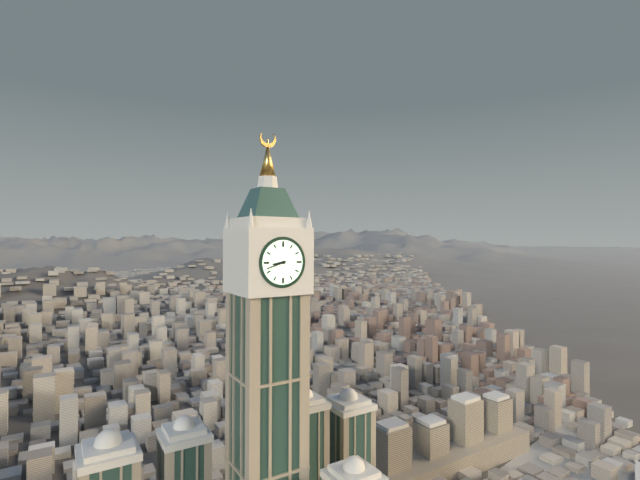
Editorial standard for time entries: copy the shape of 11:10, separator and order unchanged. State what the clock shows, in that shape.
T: 8:42
